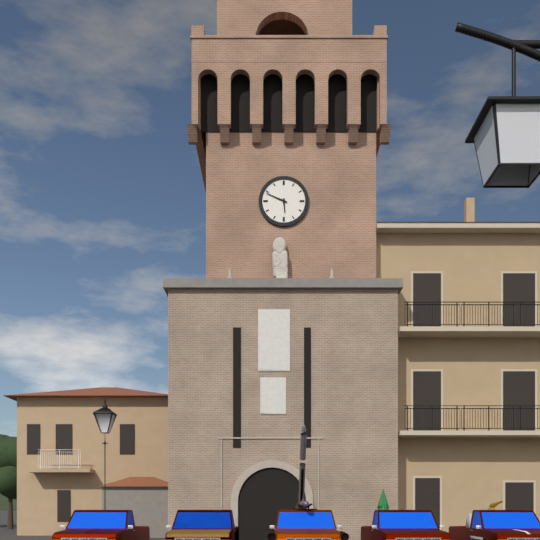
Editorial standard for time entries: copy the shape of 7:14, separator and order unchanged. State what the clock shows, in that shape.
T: 5:49
